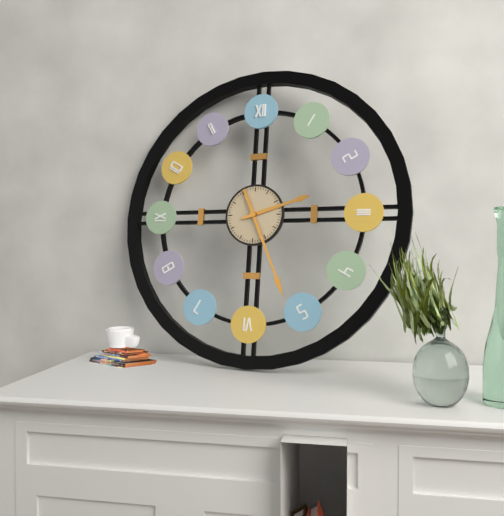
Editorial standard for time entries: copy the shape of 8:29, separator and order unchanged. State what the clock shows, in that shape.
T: 2:26
